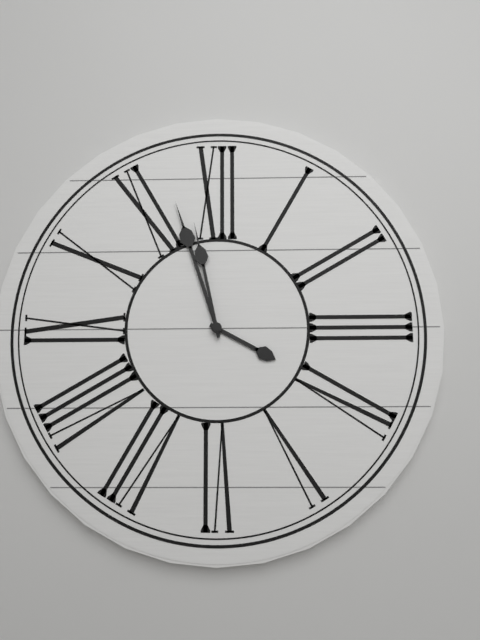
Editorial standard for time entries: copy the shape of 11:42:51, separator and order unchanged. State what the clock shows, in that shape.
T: 3:57:58
